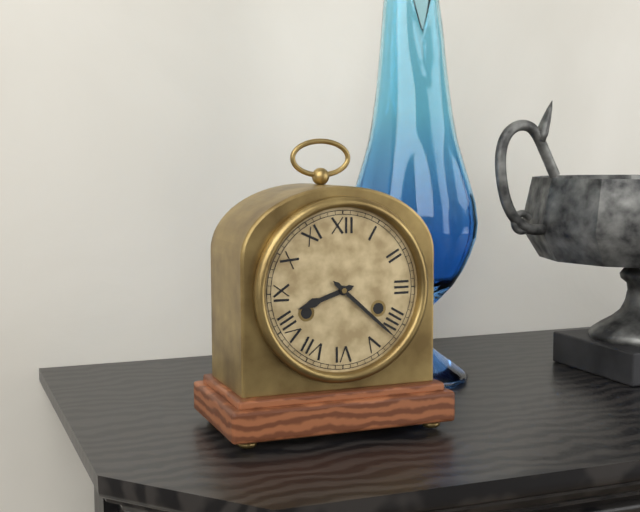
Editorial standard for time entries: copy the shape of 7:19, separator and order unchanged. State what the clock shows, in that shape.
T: 8:22
